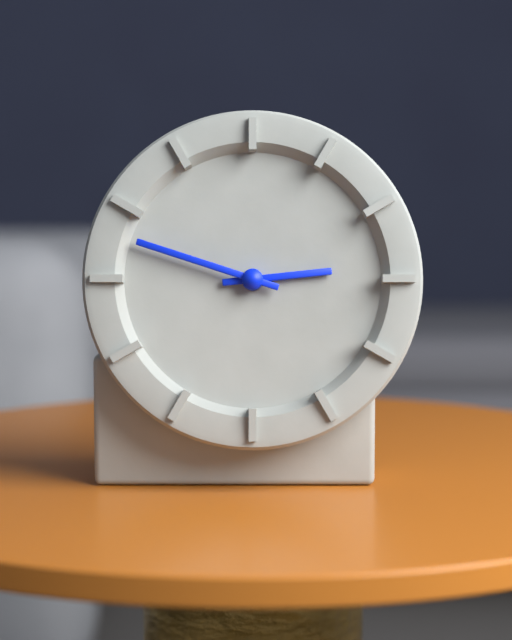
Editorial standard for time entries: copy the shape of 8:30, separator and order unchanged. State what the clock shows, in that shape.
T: 2:48
